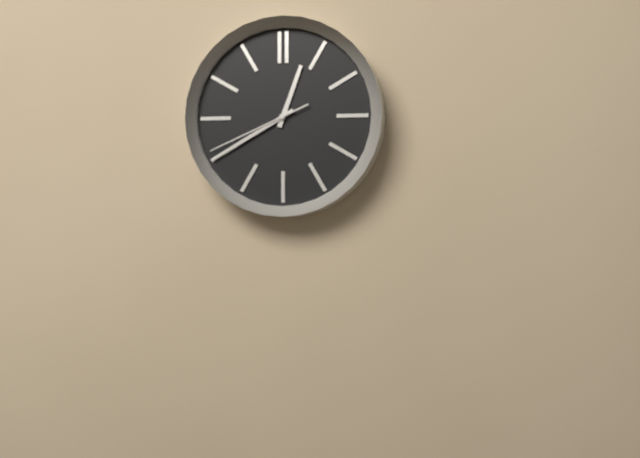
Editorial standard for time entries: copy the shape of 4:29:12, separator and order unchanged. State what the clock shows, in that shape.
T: 12:40:41
